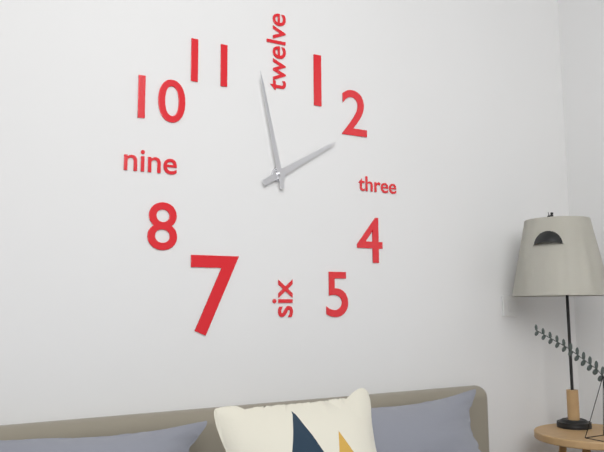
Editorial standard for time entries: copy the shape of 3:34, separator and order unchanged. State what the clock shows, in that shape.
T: 1:58
